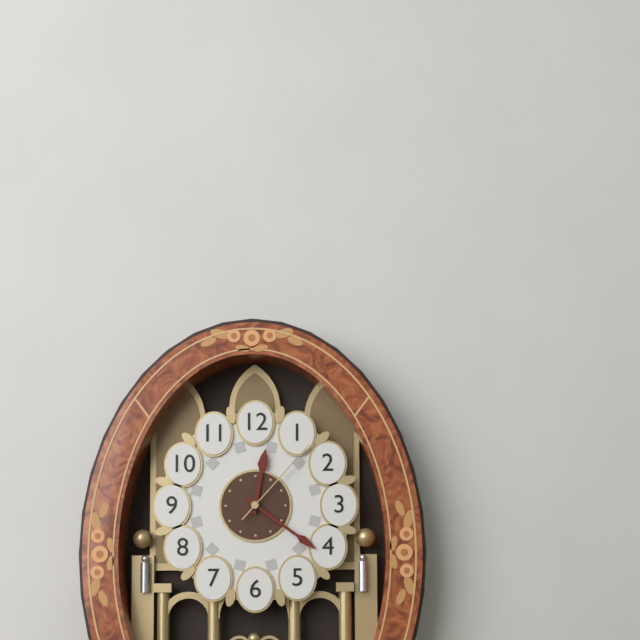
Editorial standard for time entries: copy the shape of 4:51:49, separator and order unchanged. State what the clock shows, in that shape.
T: 12:21:07
